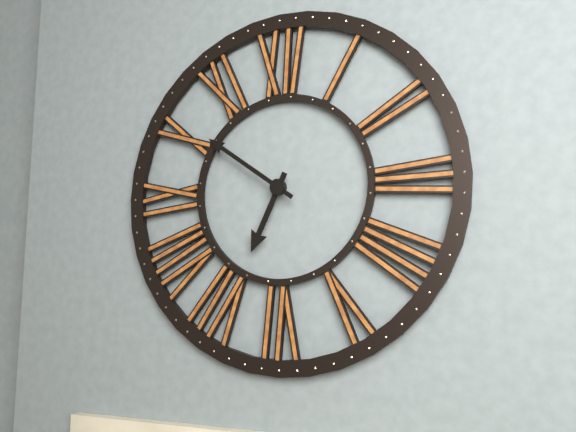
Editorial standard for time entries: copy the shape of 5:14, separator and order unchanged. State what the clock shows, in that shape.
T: 6:51
